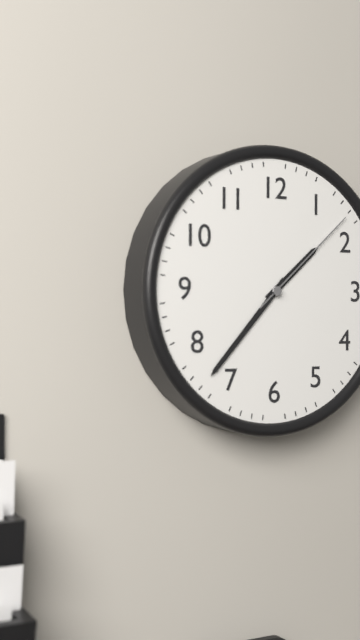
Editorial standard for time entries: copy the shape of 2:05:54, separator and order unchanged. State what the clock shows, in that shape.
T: 1:37:08
